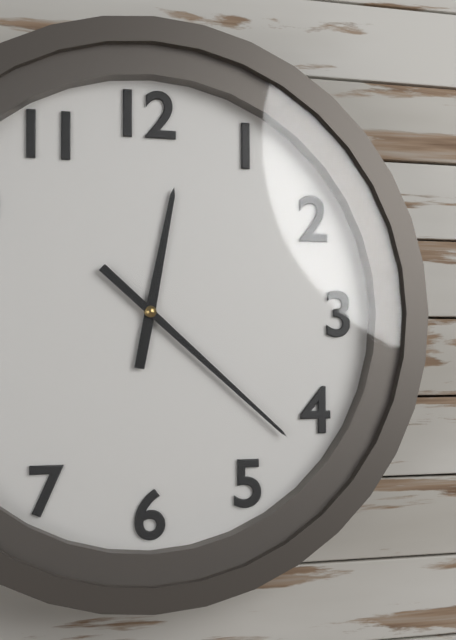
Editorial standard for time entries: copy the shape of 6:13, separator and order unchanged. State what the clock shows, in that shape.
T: 12:22
